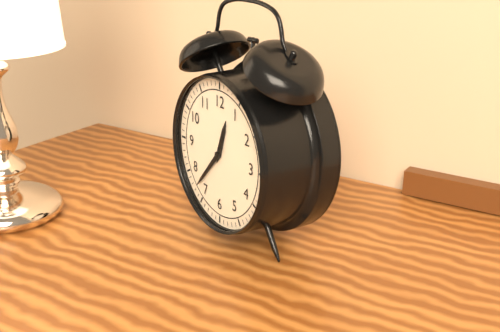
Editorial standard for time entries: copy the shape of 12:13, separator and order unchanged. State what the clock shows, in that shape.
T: 12:37
